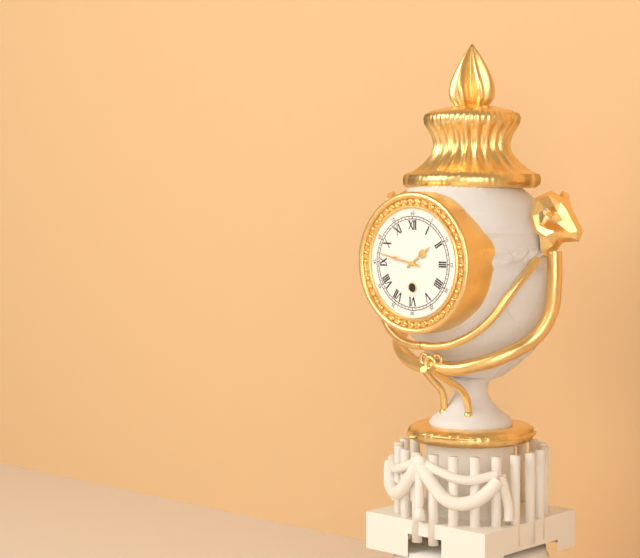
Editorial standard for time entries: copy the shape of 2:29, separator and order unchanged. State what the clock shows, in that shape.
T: 1:47
